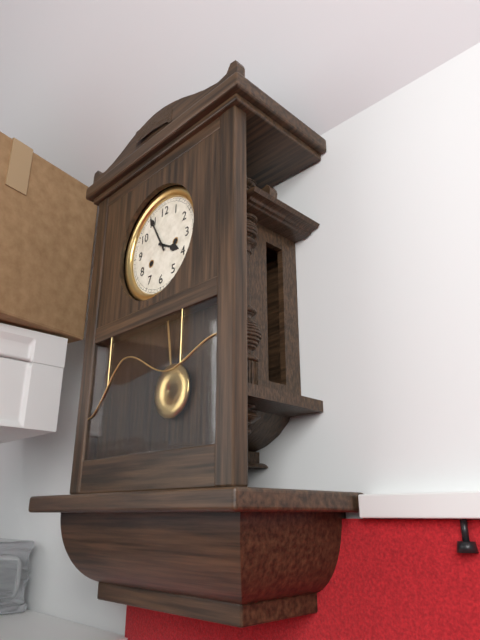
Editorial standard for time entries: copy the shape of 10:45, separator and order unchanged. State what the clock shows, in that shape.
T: 3:55
